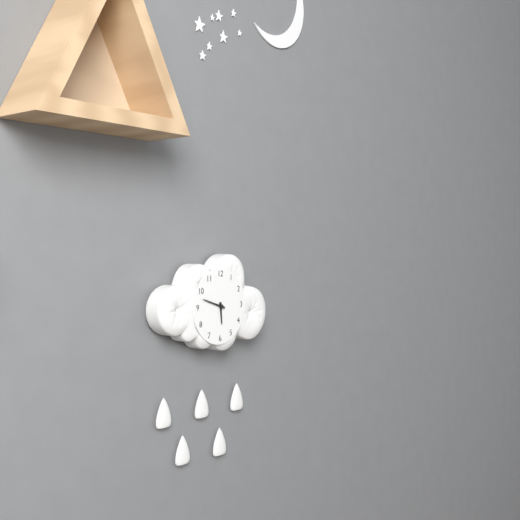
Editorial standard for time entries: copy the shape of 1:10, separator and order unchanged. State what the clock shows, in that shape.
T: 5:48
